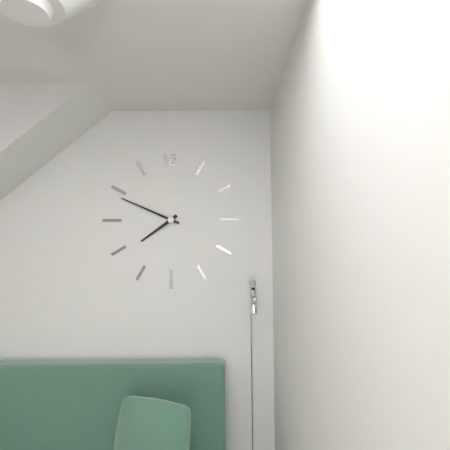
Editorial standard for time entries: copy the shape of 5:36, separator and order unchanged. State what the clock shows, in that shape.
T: 7:49
